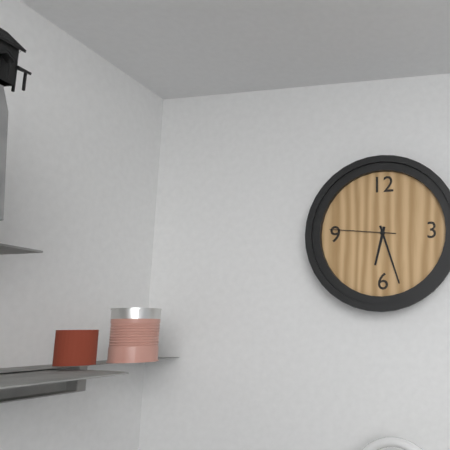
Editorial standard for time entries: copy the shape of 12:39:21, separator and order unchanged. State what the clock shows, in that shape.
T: 6:27:46
